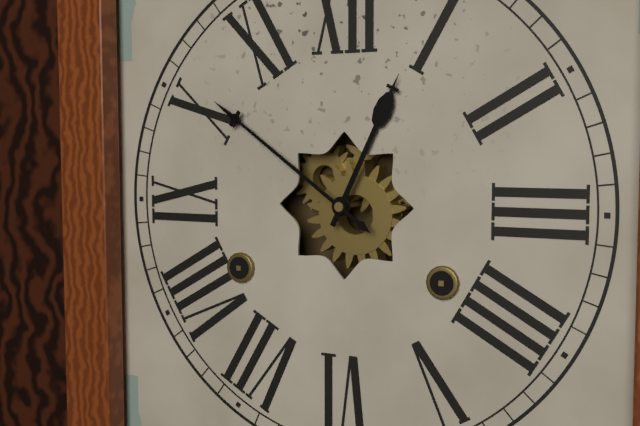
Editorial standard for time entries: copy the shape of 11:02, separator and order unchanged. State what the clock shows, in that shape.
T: 12:51
